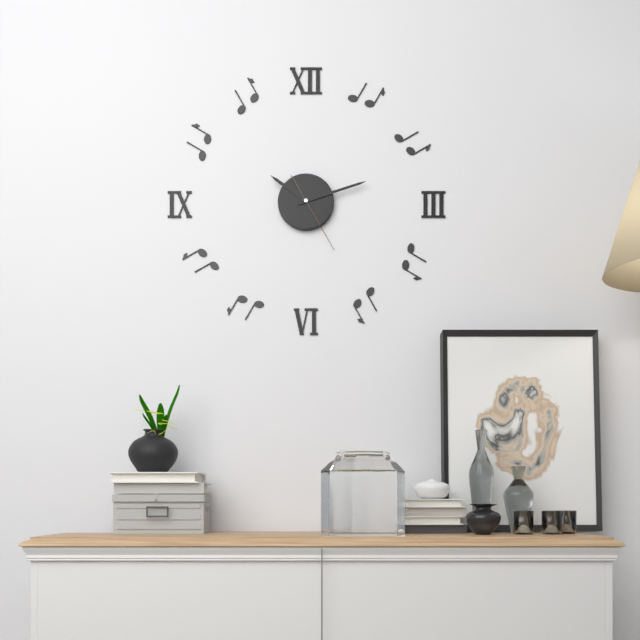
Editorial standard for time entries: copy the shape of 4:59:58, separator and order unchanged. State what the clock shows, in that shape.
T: 10:12:25
